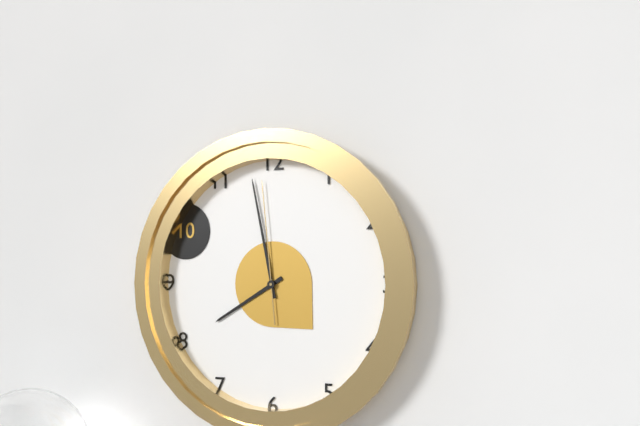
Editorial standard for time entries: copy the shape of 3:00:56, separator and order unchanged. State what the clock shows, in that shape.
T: 7:58:59
